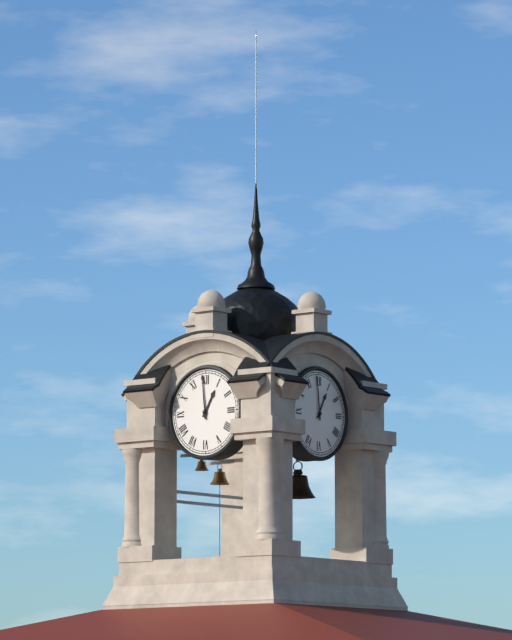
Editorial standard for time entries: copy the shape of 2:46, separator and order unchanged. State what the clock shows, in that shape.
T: 12:59
